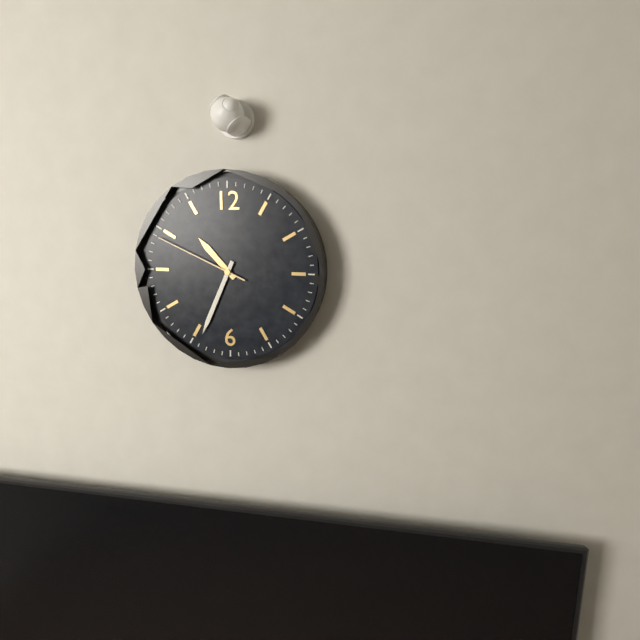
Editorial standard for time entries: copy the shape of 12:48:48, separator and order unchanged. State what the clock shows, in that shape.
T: 10:34:49
